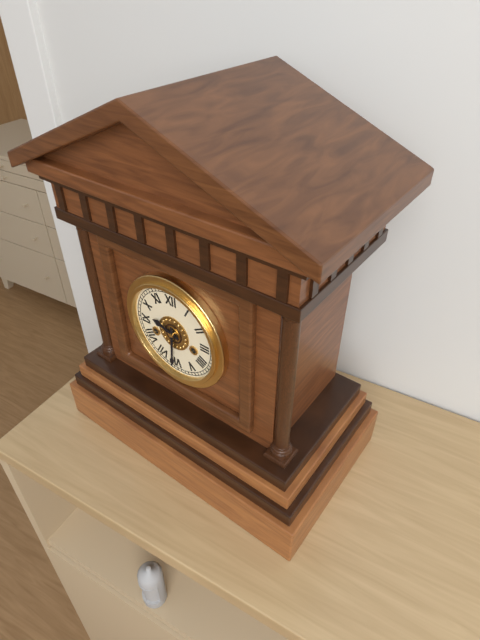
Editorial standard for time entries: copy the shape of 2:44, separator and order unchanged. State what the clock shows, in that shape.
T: 9:31
